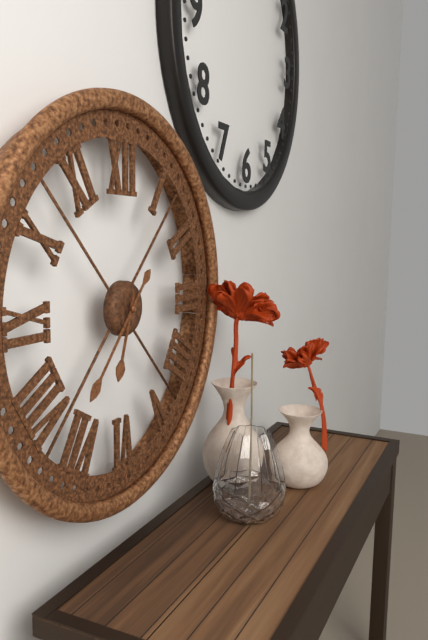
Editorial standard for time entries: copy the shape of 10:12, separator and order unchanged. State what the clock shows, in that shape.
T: 6:37
